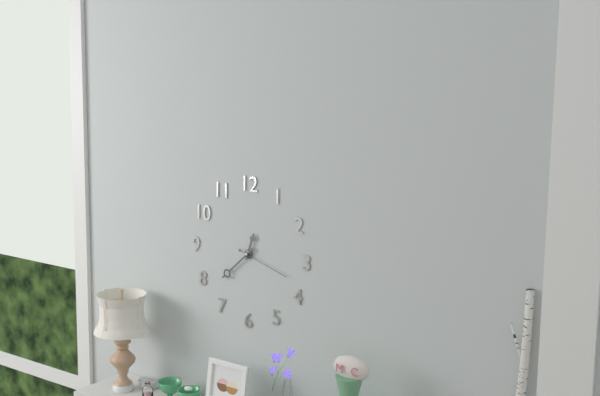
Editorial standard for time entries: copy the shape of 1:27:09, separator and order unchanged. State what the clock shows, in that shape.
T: 12:38:18
